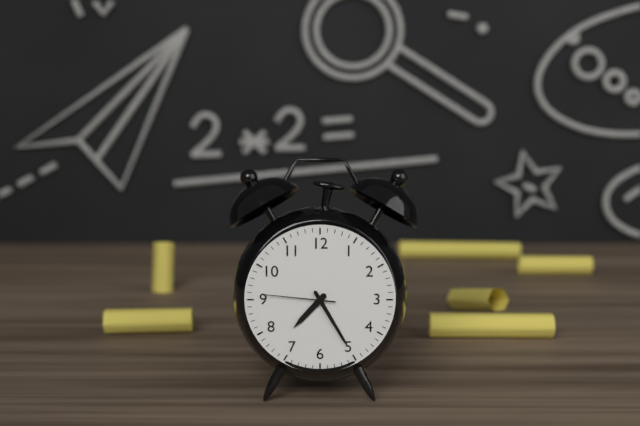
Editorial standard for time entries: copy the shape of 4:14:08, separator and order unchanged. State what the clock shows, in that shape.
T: 7:25:46
